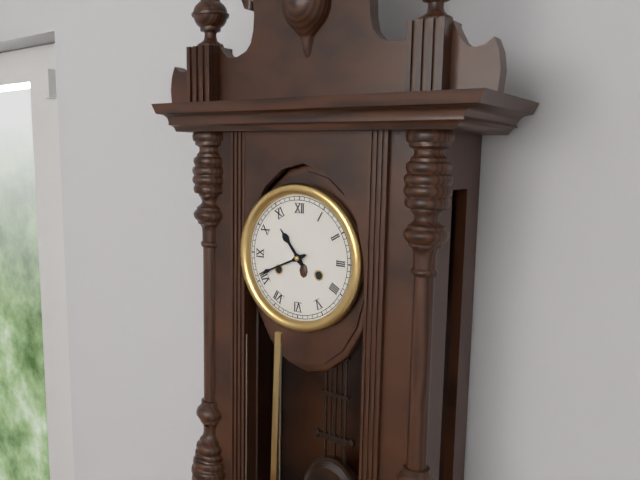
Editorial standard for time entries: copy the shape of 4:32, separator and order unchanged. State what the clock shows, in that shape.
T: 10:41
